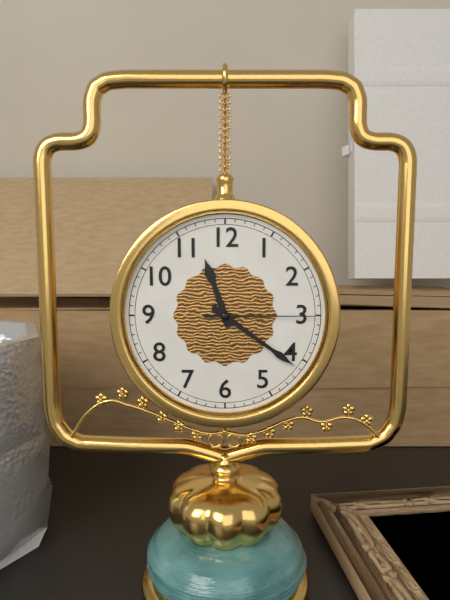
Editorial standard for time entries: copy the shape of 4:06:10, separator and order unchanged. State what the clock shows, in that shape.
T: 11:21:15
